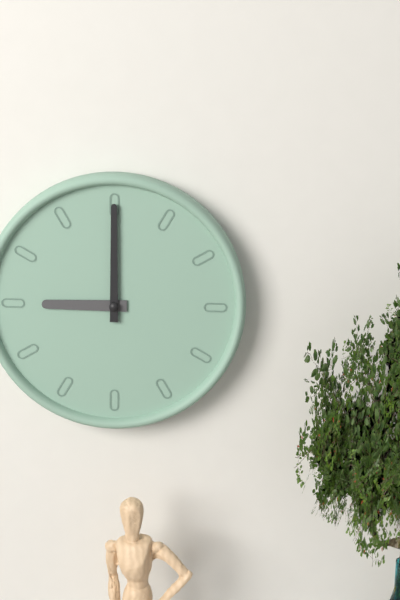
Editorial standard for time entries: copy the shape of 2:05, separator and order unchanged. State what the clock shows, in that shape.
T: 9:00
